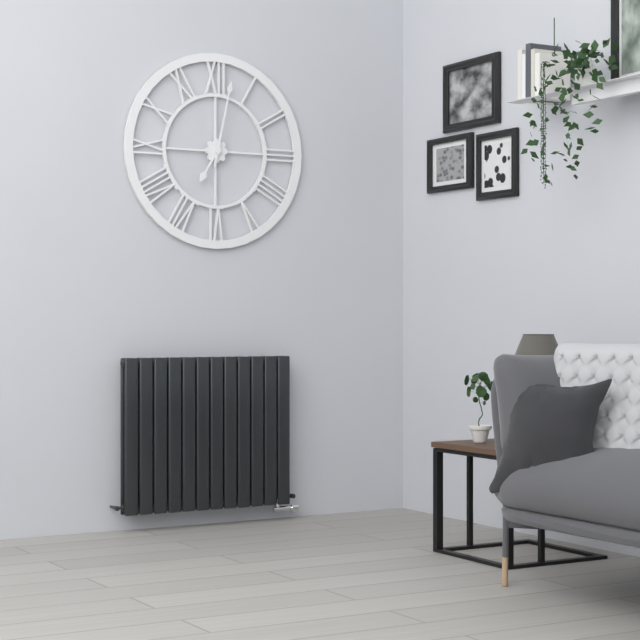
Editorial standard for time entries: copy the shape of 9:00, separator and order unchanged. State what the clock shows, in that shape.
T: 7:02
